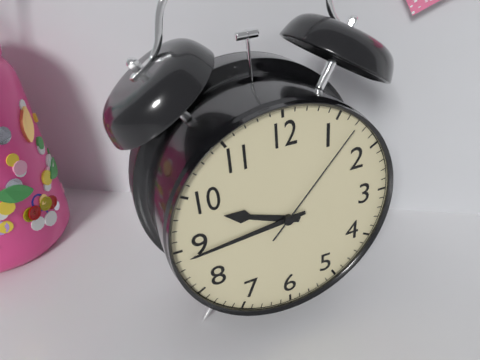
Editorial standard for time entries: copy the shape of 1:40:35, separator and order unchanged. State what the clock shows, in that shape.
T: 9:44:07
